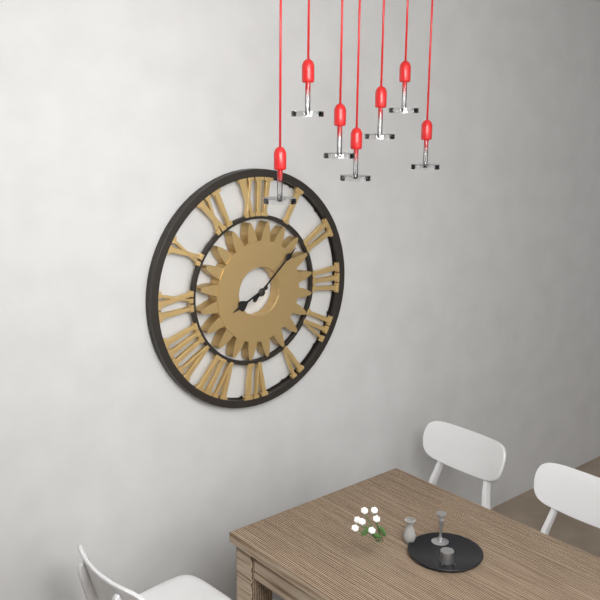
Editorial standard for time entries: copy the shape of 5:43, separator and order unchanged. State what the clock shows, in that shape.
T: 8:08
